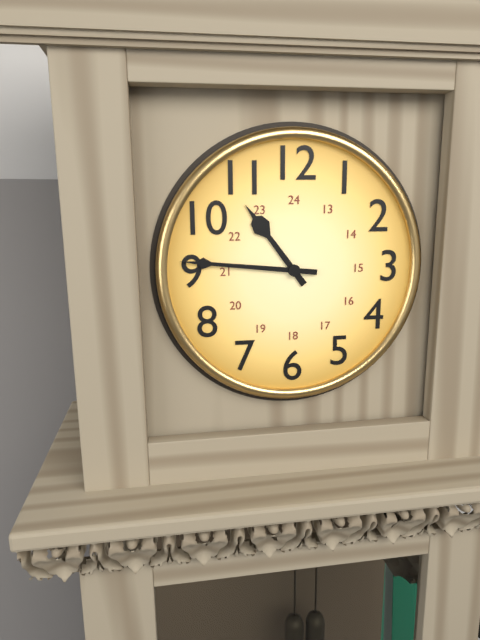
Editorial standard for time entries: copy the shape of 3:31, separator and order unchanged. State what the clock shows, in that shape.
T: 10:46
